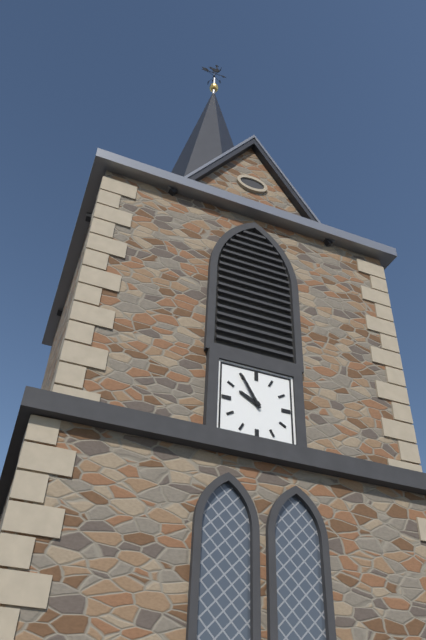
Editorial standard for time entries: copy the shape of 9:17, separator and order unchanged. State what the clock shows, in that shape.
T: 9:55
